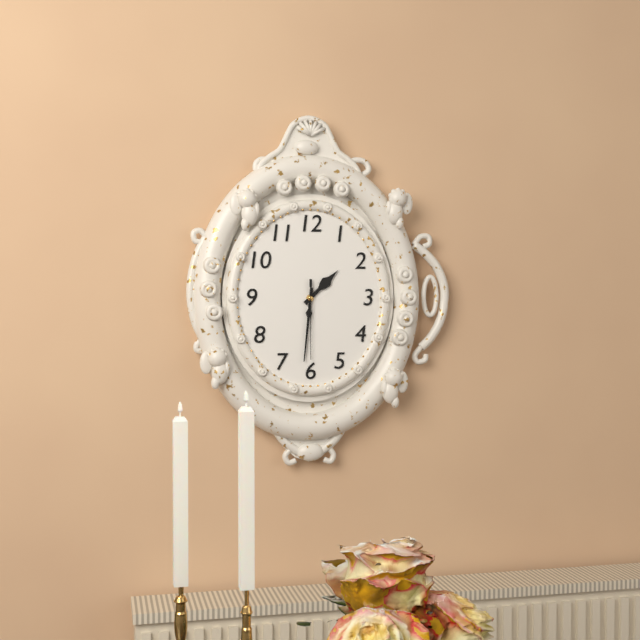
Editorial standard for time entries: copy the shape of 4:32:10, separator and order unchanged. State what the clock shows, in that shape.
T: 1:31:30
